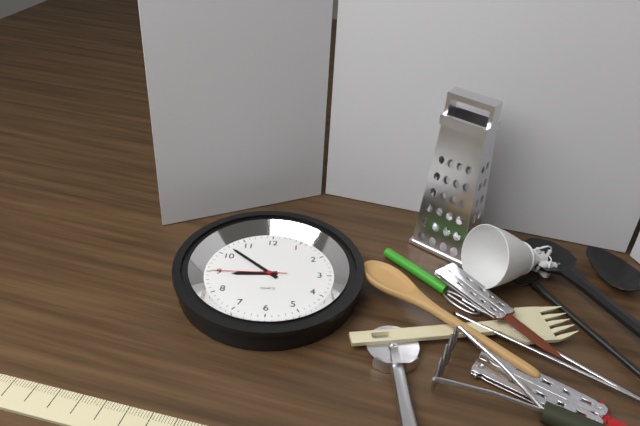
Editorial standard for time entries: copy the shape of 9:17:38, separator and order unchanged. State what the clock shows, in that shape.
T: 8:52:45
